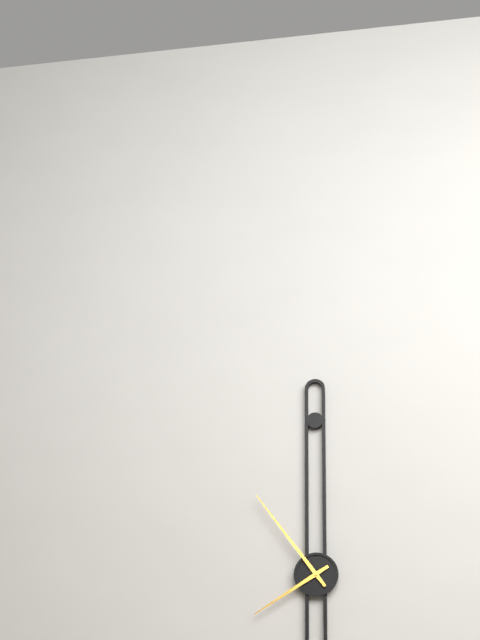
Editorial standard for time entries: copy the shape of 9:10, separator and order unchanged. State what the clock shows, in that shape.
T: 7:54
